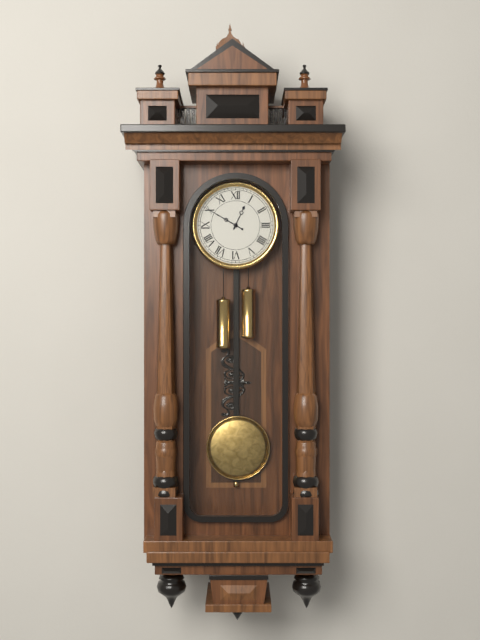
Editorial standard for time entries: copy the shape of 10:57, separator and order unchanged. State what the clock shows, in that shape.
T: 12:50
